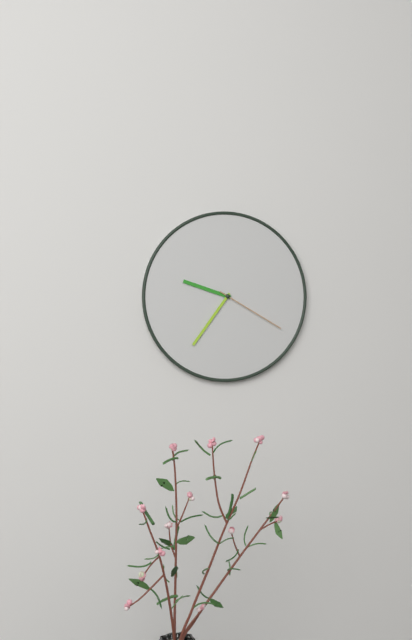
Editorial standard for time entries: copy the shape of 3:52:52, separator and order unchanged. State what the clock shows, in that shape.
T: 9:36:20
